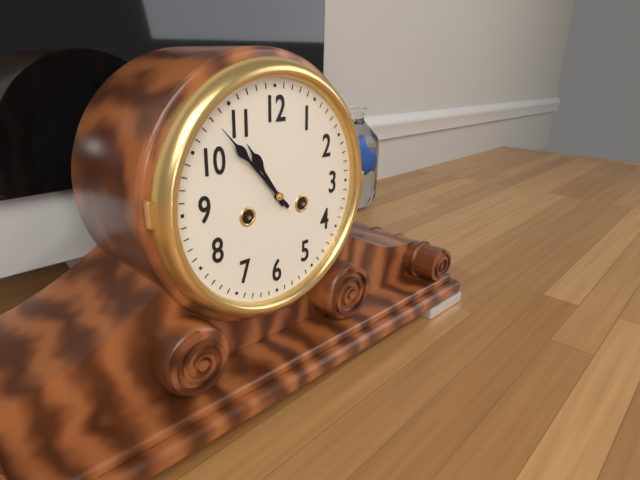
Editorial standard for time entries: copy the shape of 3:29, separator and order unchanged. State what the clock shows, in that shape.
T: 10:53
